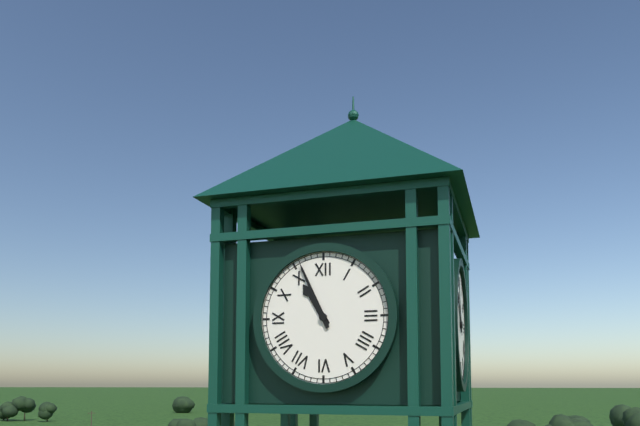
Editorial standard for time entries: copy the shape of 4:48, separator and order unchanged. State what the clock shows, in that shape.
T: 10:56
